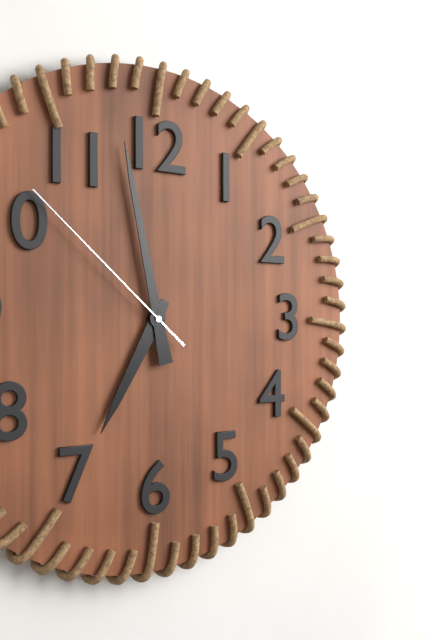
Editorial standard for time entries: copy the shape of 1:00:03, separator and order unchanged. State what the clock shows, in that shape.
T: 6:58:52
